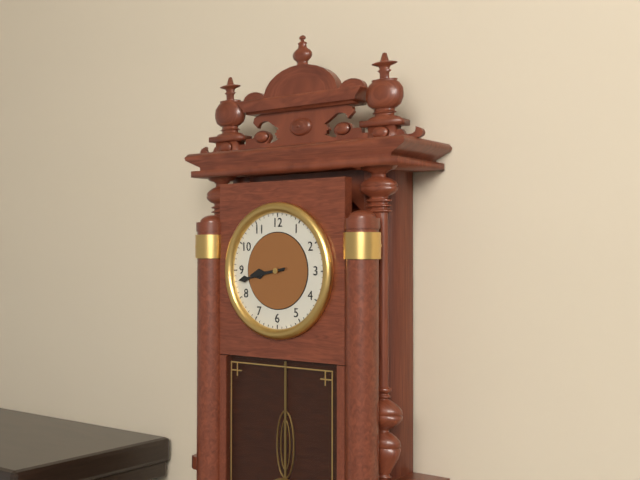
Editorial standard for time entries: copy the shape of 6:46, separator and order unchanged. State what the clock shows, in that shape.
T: 8:43
